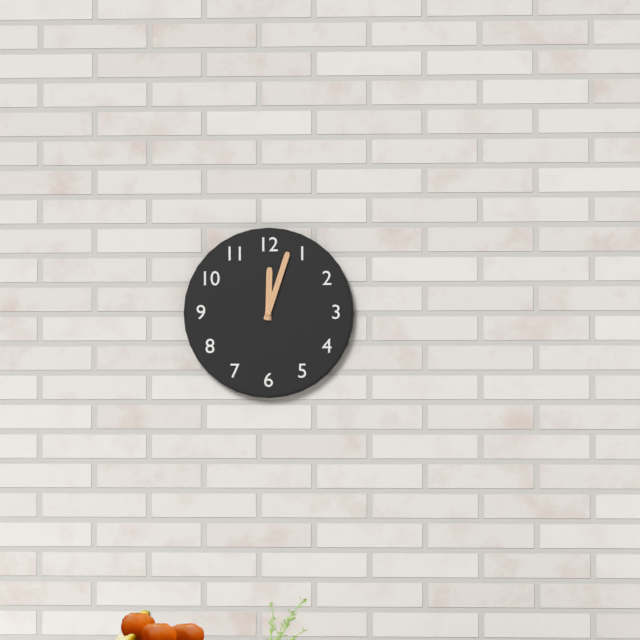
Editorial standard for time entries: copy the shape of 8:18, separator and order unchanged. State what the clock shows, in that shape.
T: 12:03
